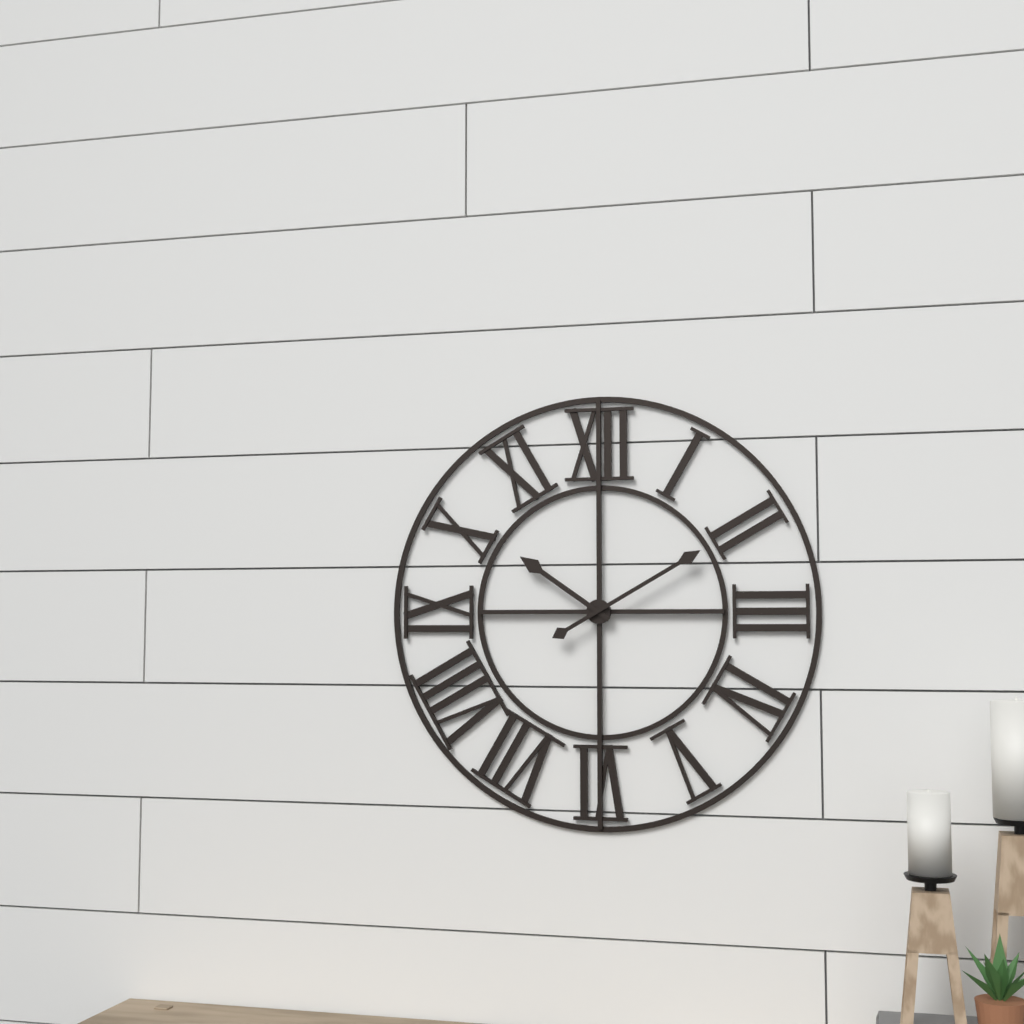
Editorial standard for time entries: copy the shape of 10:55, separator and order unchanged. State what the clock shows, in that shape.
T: 10:10
